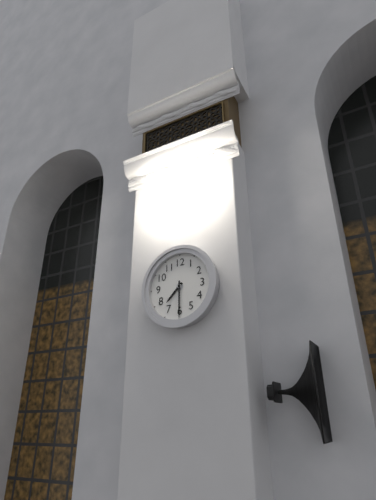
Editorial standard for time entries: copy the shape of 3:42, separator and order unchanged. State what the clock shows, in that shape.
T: 7:30
